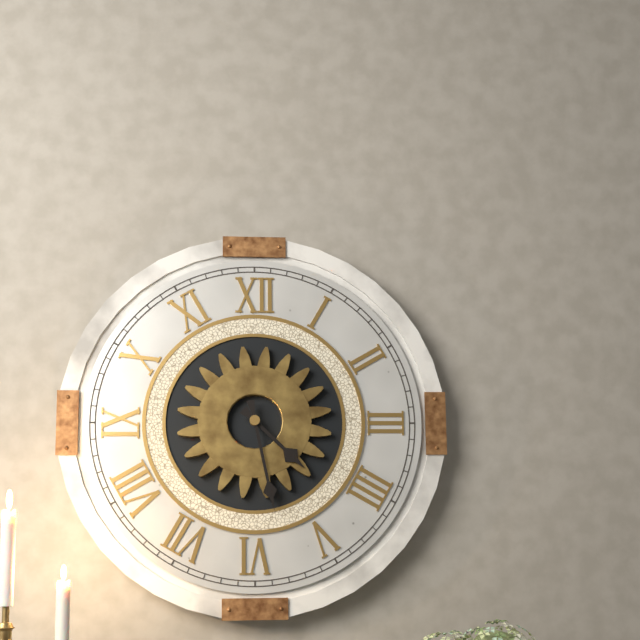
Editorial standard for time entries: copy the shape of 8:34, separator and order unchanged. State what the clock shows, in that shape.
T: 4:28
